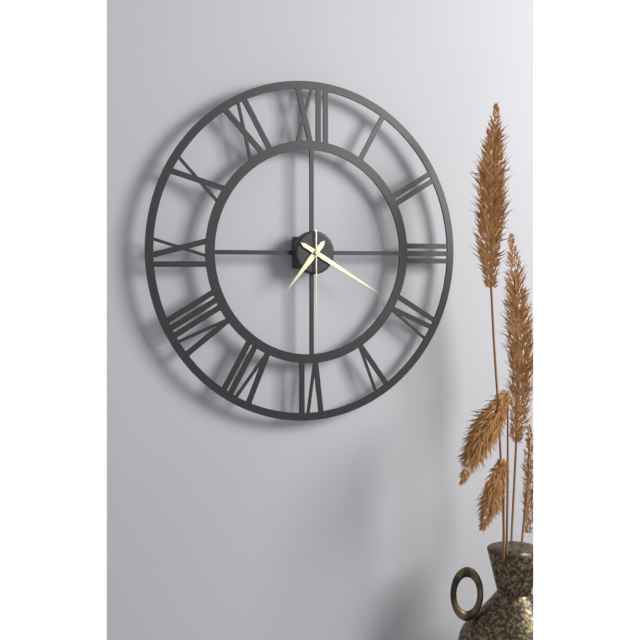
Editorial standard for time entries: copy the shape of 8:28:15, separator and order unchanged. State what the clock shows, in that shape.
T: 7:20:30
